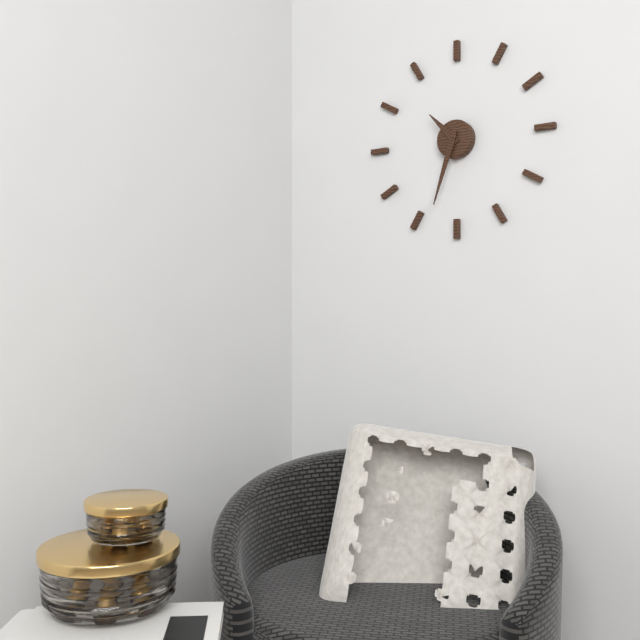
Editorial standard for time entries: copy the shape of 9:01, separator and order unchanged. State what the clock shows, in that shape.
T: 10:33
